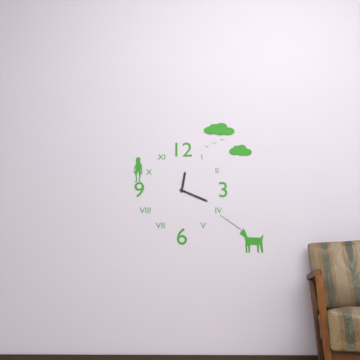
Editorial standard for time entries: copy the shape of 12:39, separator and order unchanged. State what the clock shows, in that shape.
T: 12:19
